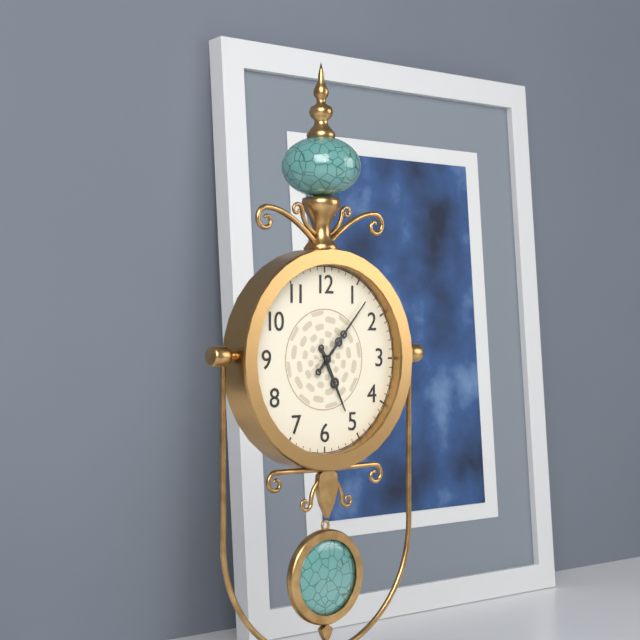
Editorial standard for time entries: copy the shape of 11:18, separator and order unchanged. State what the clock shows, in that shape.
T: 5:07
